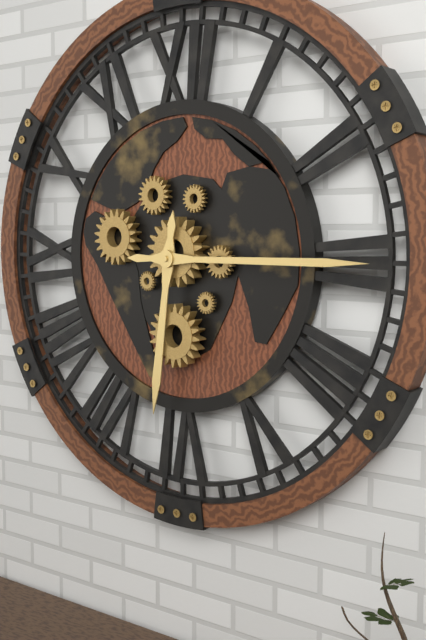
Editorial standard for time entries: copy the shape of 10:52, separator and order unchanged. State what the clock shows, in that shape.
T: 6:15
